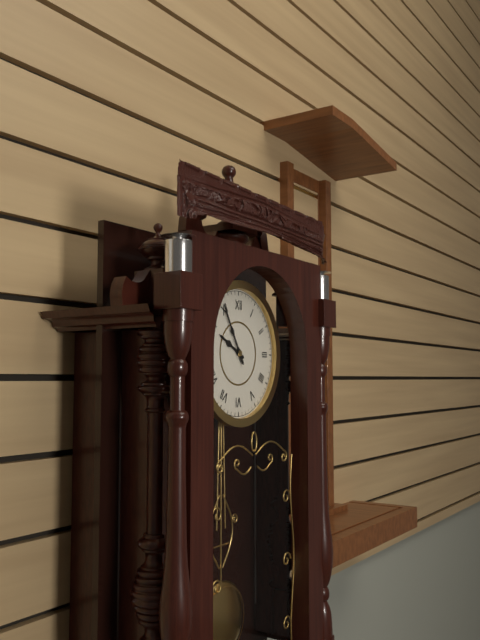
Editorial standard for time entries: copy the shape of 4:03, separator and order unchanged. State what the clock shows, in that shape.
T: 9:55
